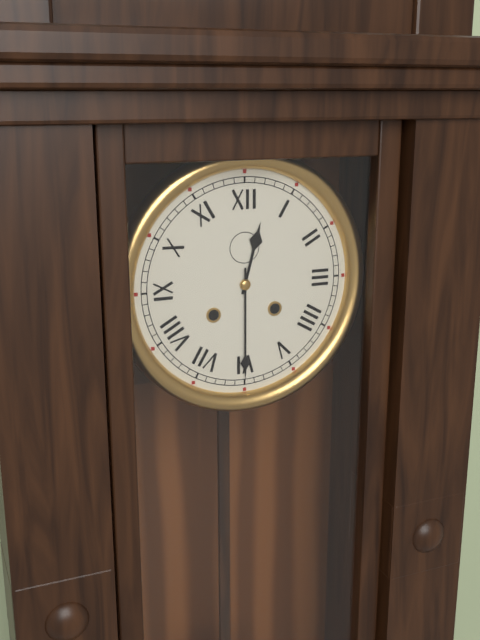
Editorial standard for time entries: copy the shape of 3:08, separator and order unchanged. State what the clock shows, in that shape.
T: 12:30
